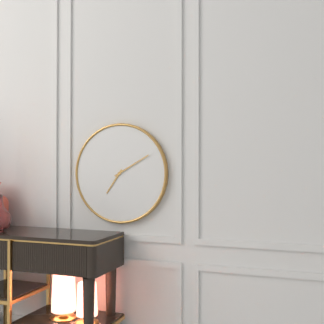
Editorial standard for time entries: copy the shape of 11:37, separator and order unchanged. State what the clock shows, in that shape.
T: 7:10
